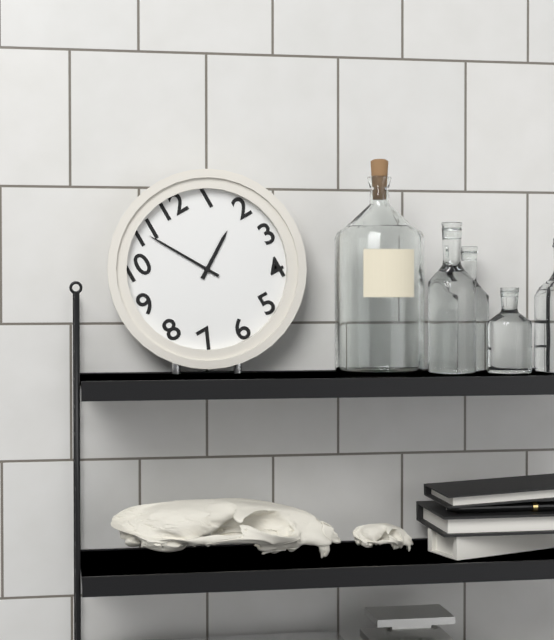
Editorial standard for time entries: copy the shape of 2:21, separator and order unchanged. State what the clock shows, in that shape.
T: 1:55
